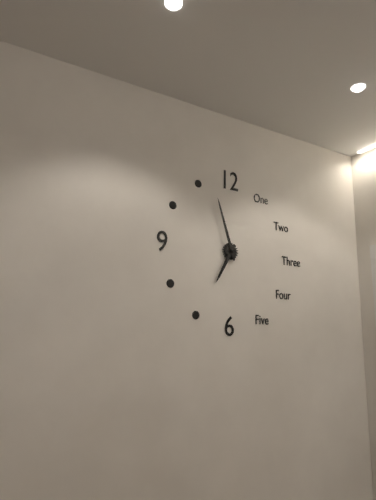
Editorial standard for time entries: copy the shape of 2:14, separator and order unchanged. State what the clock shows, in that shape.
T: 6:57
